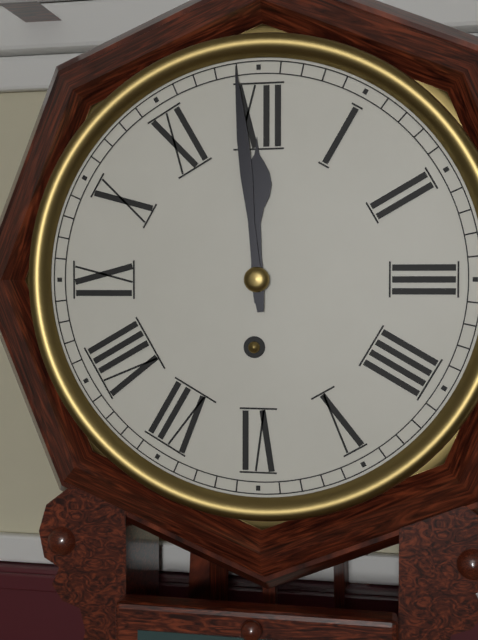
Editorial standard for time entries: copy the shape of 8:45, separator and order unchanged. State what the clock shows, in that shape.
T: 11:59
